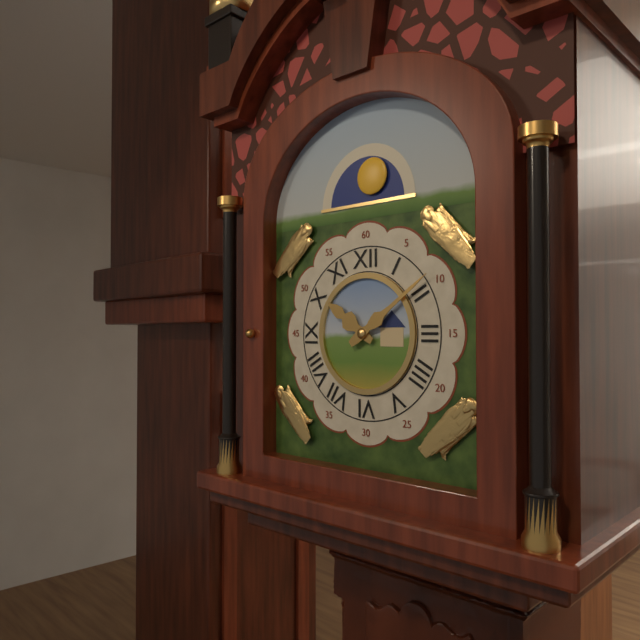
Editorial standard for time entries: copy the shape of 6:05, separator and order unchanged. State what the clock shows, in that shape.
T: 10:09
